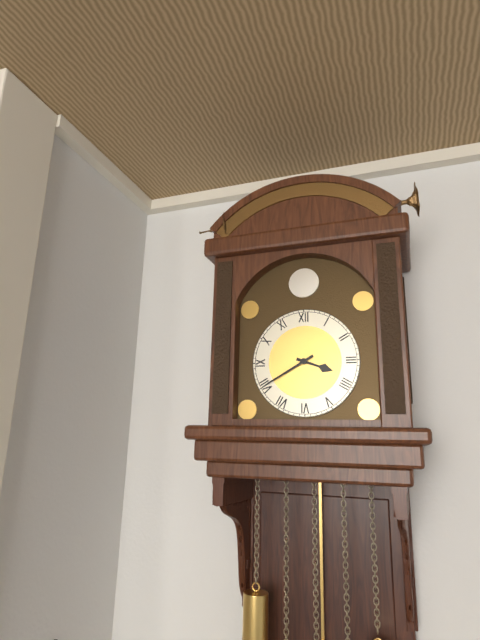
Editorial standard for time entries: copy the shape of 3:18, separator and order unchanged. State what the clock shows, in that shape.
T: 3:40
